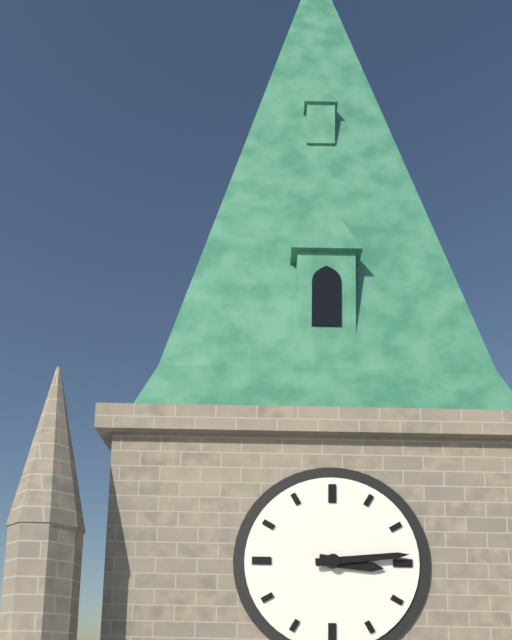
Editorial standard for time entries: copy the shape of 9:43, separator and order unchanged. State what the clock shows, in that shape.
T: 3:14
